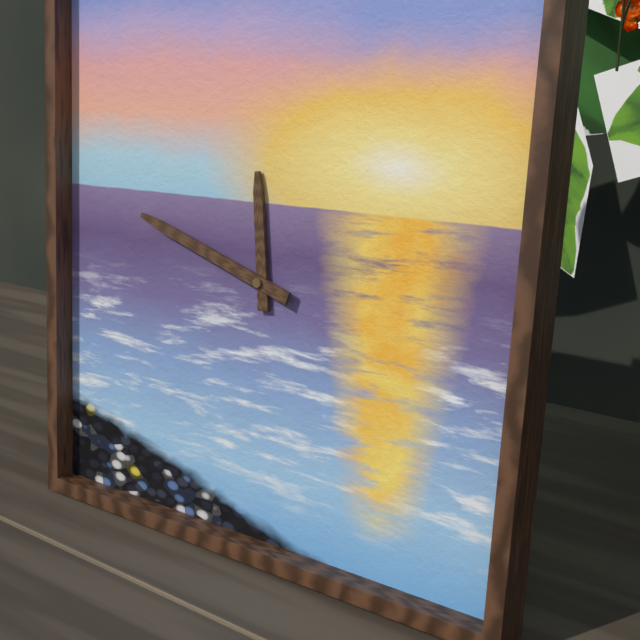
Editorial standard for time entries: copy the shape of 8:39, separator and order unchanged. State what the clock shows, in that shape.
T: 11:48
